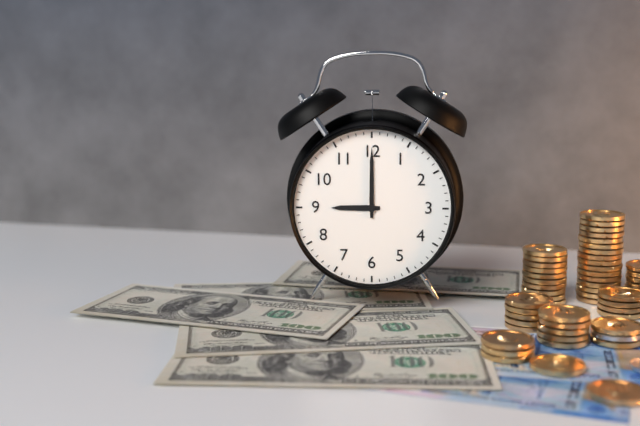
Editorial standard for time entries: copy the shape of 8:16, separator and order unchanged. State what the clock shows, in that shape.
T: 9:00
